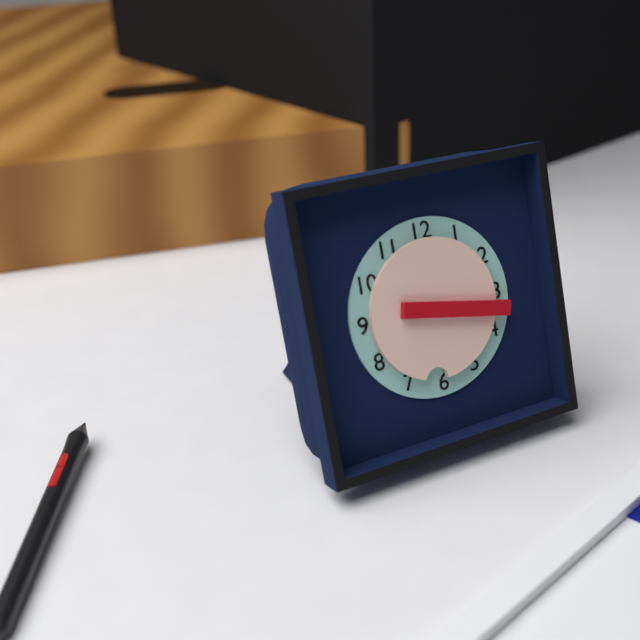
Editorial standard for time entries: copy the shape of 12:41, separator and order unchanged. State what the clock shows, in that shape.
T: 6:17
